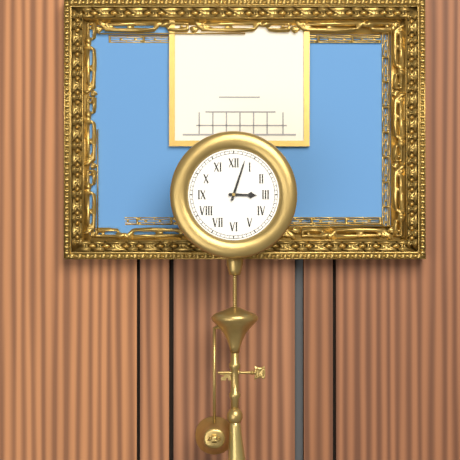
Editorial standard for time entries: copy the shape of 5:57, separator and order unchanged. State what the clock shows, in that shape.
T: 3:03
